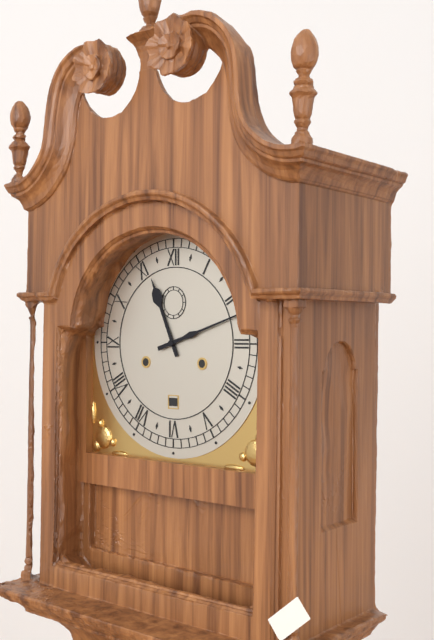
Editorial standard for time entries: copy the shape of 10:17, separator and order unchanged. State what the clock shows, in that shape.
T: 11:12
